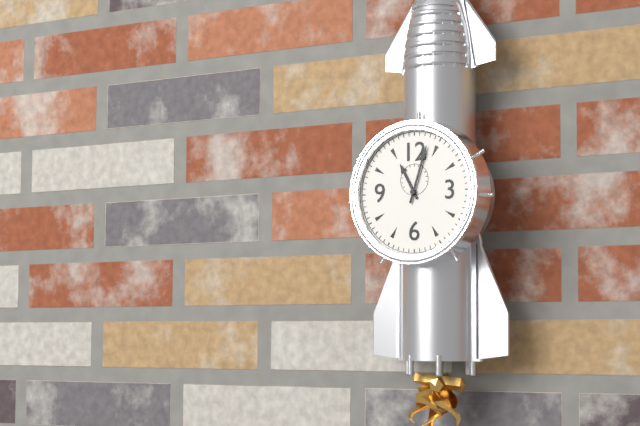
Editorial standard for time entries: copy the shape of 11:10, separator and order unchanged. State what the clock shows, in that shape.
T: 11:03
